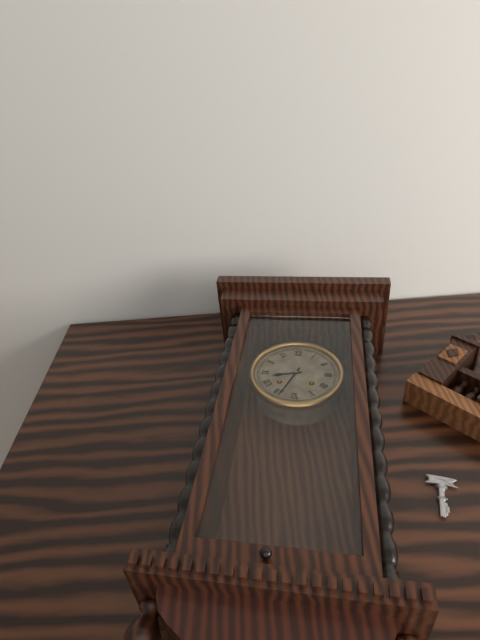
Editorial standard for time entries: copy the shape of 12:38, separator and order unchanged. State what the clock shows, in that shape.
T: 8:34
